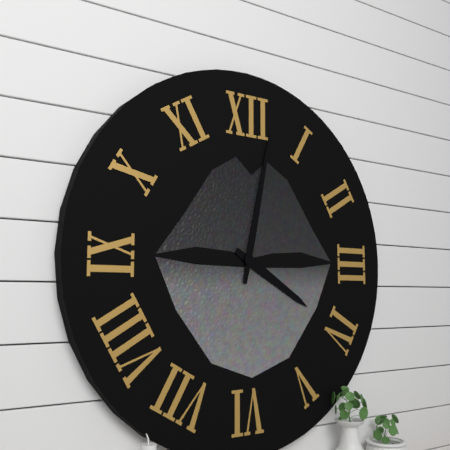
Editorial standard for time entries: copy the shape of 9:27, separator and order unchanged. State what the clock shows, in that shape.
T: 4:02
